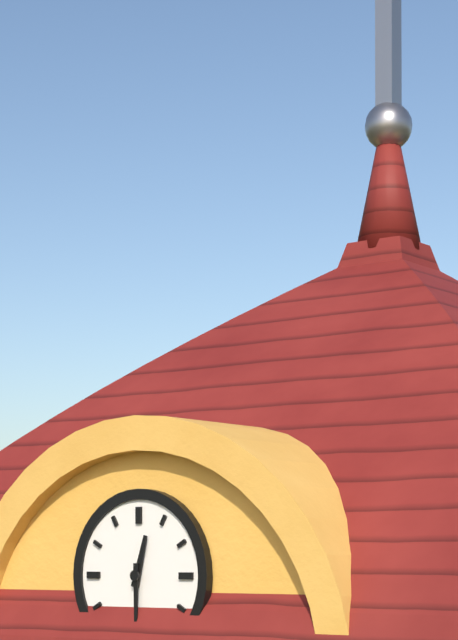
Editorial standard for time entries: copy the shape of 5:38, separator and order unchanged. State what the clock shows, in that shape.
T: 12:30
